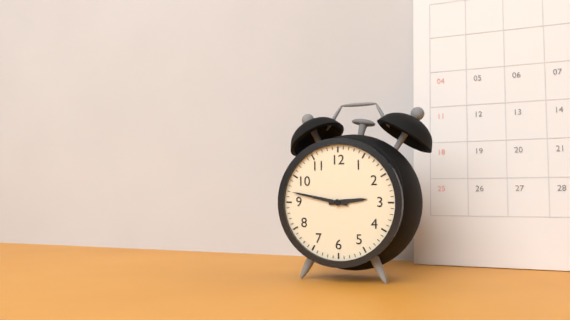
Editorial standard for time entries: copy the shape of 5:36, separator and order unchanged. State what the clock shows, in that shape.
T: 2:47
